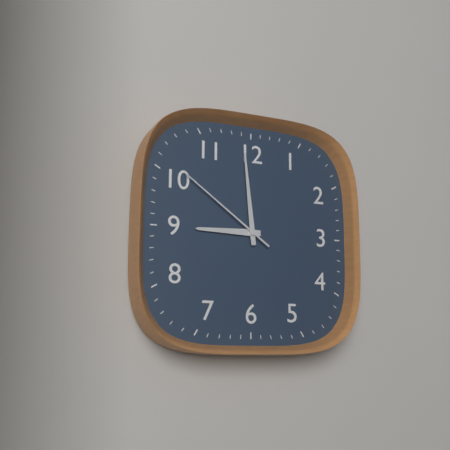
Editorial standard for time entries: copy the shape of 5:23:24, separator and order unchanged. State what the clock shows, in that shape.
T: 8:59:51
